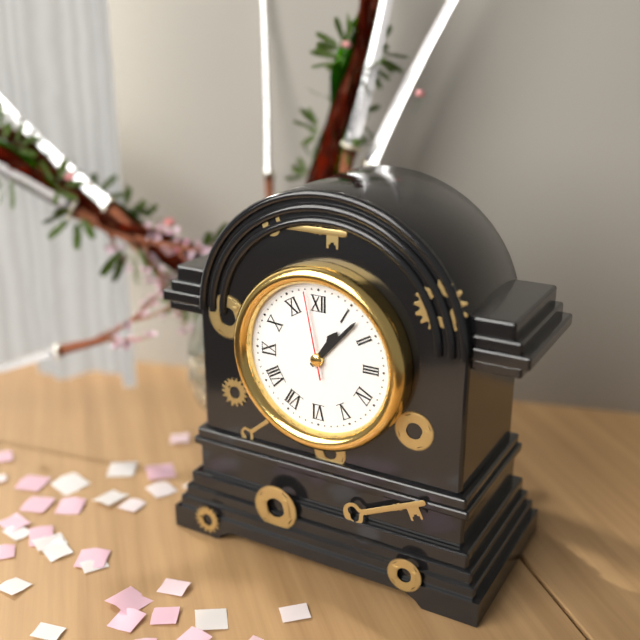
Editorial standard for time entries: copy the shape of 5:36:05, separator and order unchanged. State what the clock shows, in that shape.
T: 1:07:58
